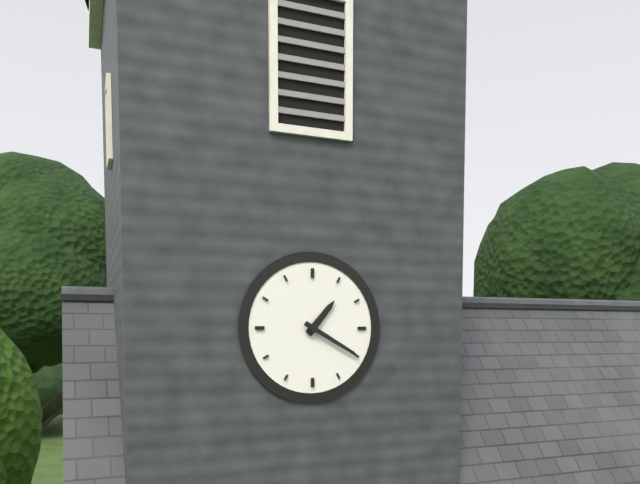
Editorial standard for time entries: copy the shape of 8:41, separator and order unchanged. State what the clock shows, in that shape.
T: 1:20
